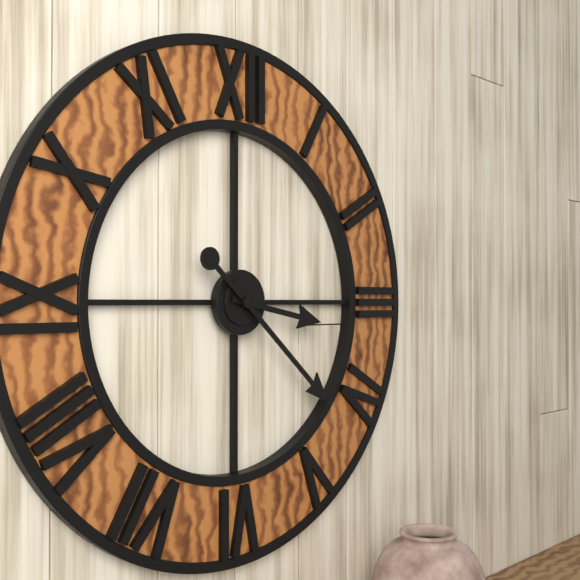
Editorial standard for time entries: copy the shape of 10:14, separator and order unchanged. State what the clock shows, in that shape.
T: 3:22
